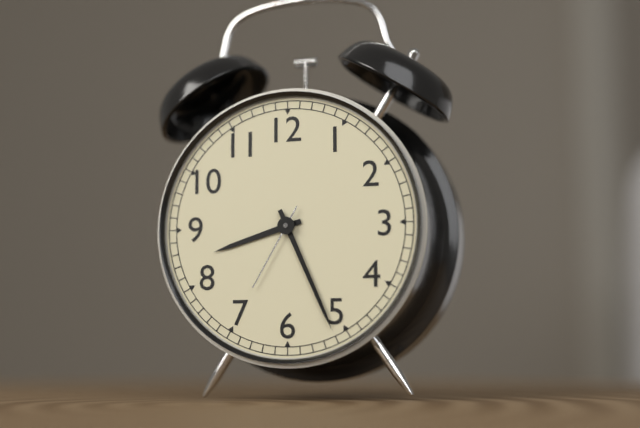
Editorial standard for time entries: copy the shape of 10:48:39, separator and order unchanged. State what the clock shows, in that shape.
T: 8:26:35
